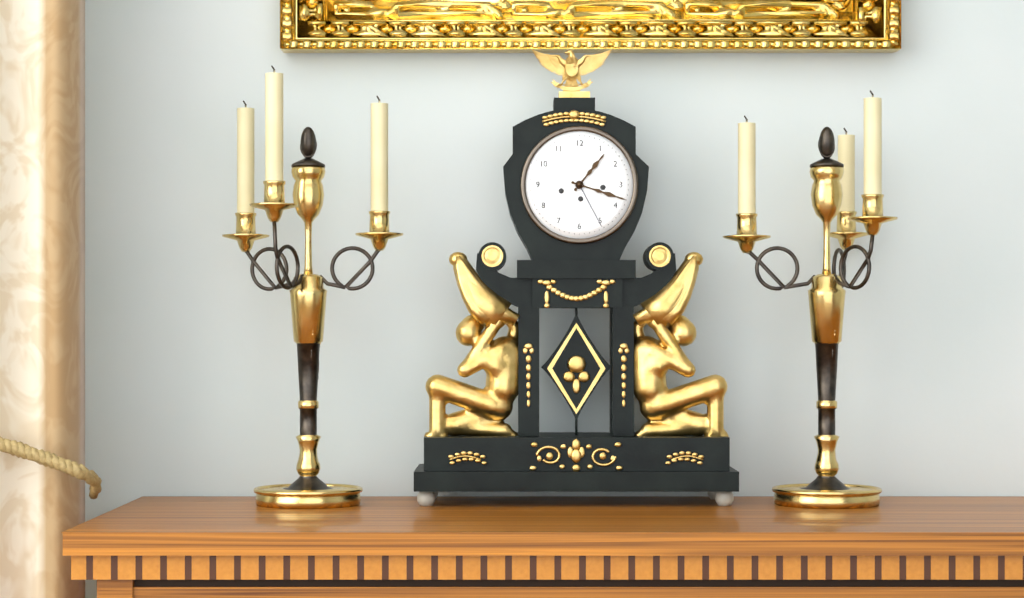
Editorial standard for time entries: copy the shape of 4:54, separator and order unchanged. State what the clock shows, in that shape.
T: 1:18
